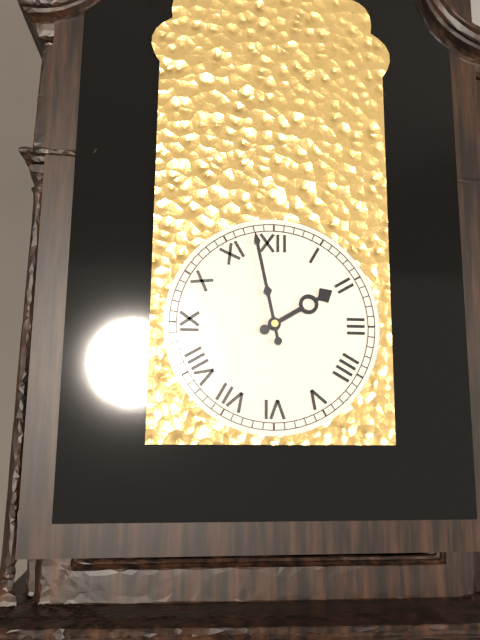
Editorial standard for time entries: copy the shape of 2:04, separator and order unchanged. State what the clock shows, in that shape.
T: 1:58
